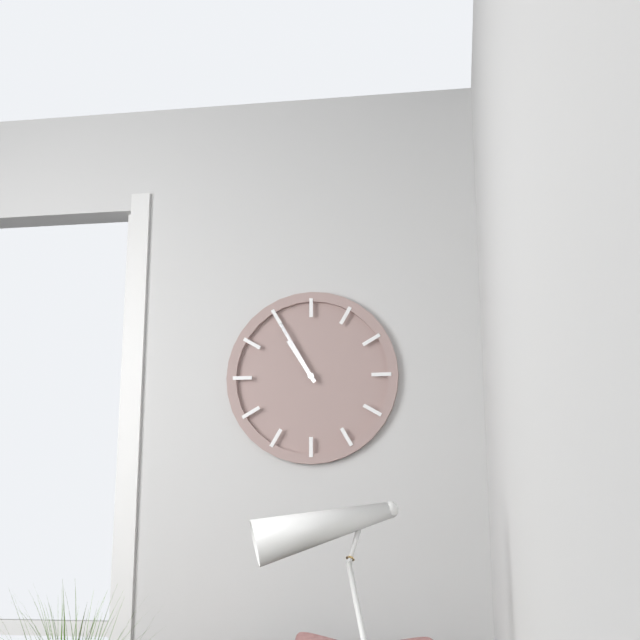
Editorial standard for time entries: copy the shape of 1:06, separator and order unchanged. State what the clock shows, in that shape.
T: 10:55
